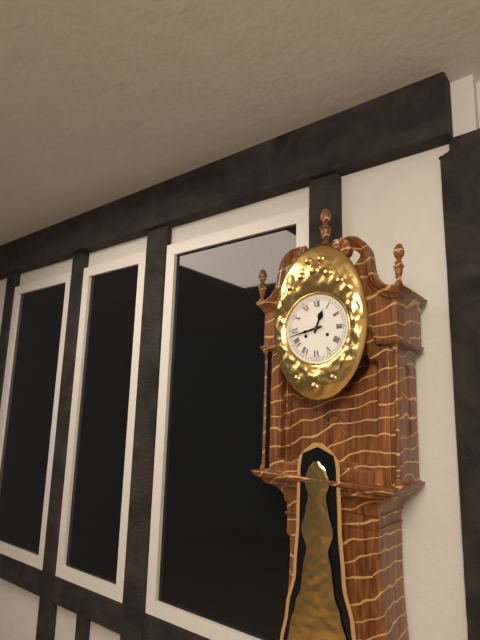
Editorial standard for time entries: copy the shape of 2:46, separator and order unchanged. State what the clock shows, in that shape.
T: 12:43
